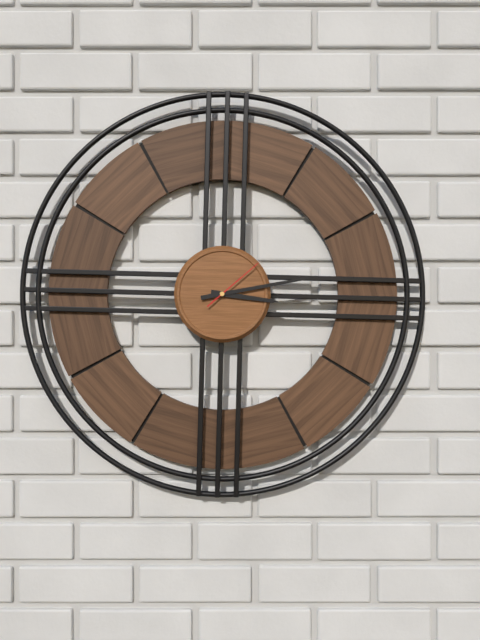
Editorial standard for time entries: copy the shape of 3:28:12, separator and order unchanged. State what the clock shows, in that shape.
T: 3:13:08
